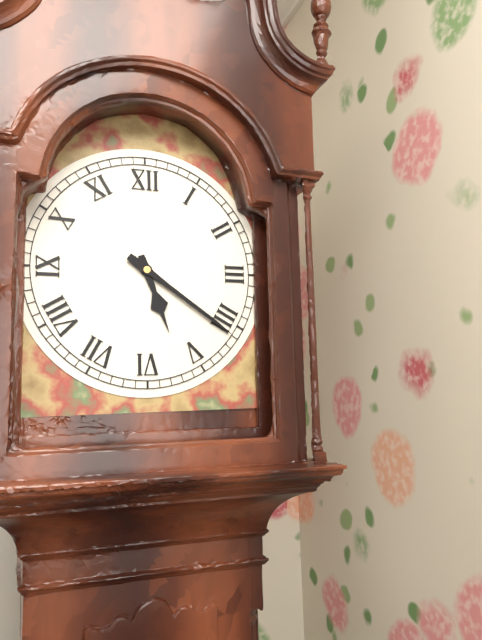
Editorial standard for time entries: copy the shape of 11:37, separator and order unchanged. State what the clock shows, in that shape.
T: 5:21
